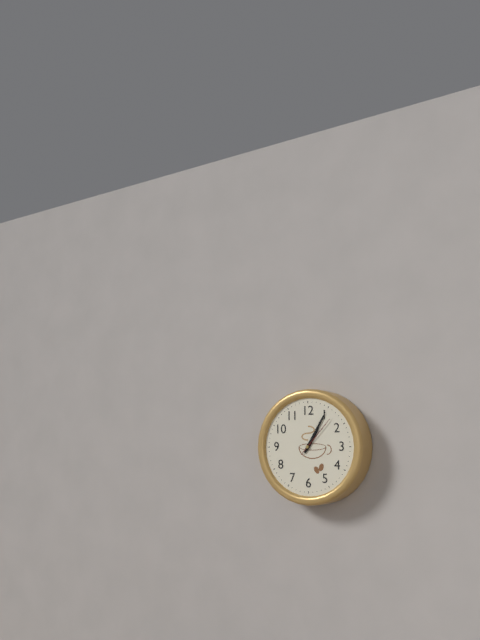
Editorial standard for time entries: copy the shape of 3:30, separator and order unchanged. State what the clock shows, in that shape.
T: 1:05
